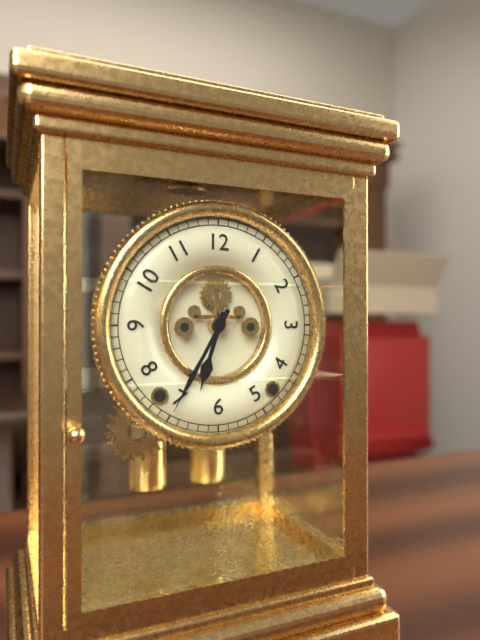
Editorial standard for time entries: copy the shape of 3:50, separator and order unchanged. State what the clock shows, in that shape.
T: 6:35
